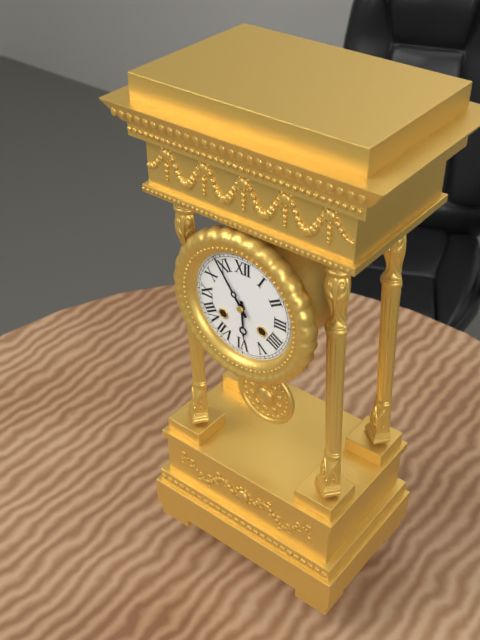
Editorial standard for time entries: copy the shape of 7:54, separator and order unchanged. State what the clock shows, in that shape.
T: 5:54
